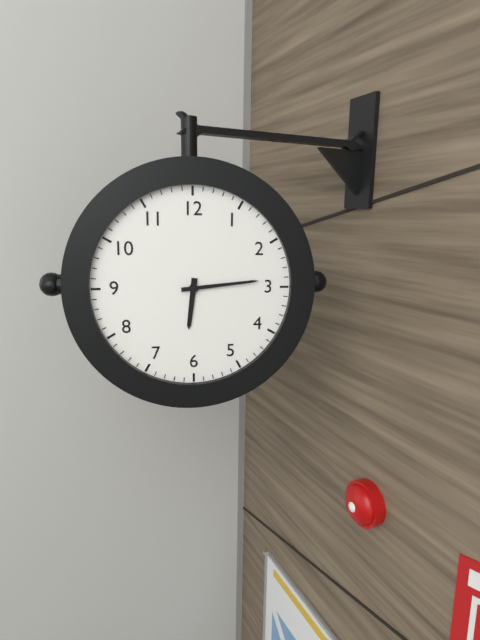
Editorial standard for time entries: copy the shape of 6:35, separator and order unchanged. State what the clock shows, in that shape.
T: 6:14
